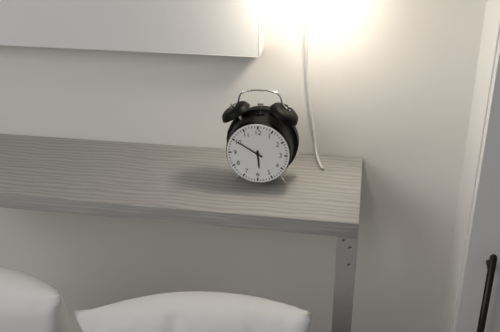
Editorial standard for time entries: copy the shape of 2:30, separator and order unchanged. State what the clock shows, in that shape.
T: 5:50
